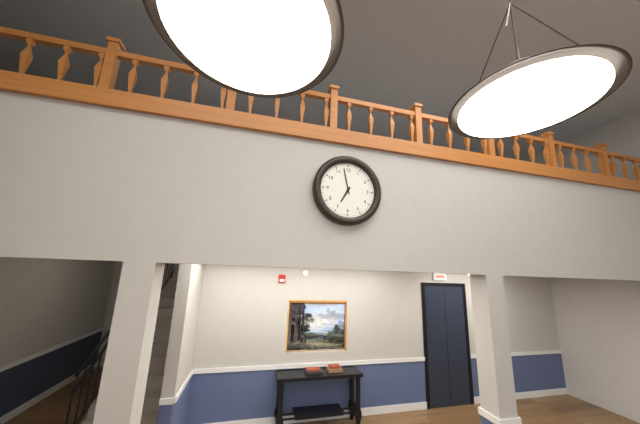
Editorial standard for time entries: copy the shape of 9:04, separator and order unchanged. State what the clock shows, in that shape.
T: 6:58
